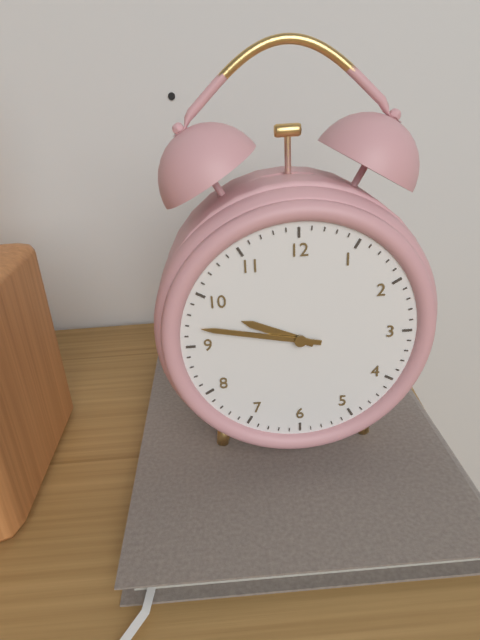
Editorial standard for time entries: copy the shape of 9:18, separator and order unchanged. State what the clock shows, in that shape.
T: 9:47
